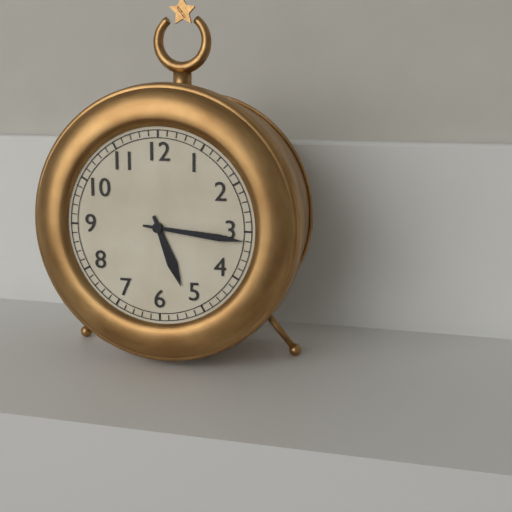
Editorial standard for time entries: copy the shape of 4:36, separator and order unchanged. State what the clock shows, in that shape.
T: 5:16
